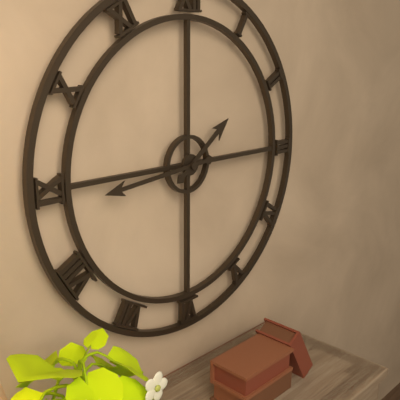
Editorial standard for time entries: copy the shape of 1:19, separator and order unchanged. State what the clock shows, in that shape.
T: 1:44
